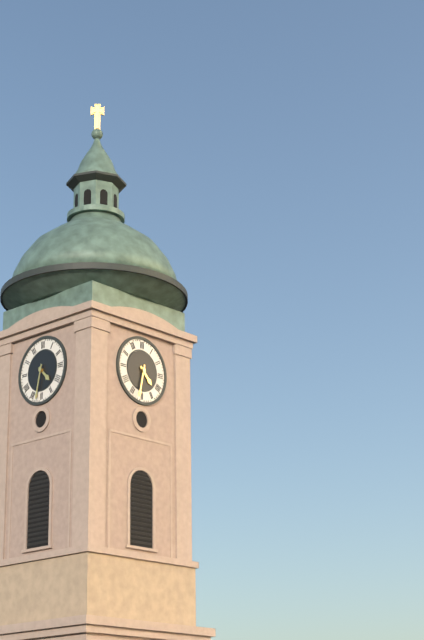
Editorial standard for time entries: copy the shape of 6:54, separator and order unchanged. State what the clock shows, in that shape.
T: 4:32
